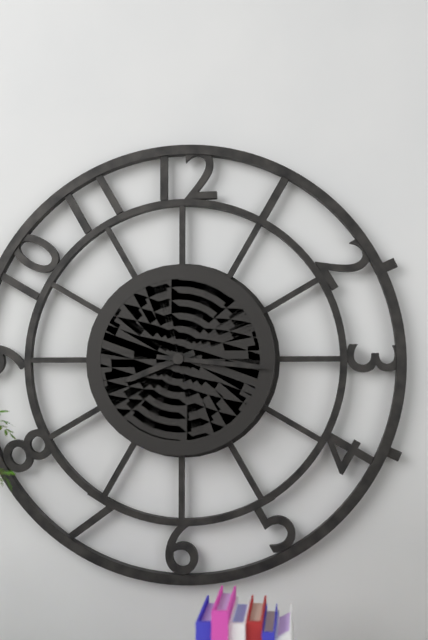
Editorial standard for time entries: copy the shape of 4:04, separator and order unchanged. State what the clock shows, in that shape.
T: 8:16
